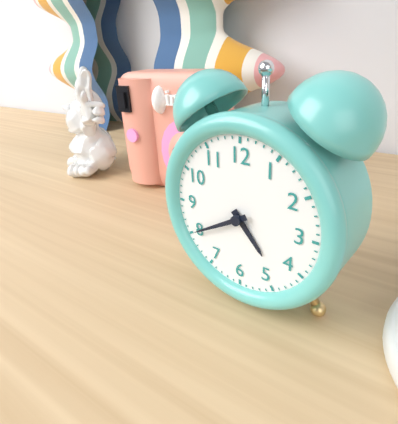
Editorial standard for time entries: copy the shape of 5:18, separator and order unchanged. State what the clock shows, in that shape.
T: 4:40
